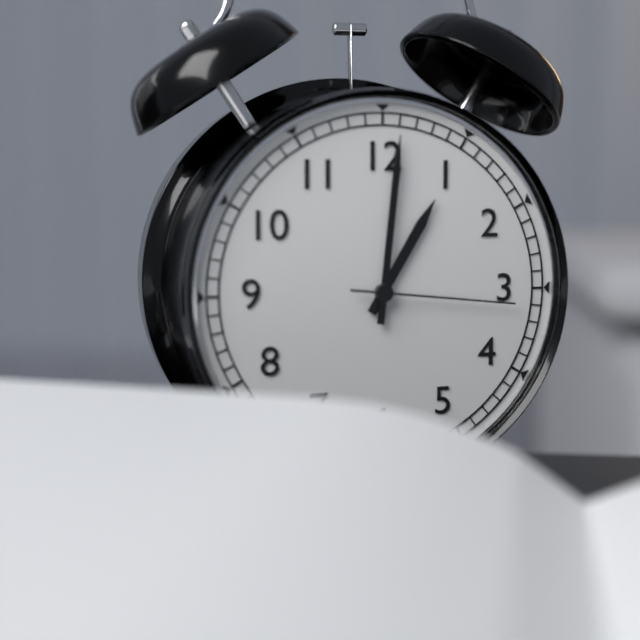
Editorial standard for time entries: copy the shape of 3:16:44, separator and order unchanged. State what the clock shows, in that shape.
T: 1:01:16
